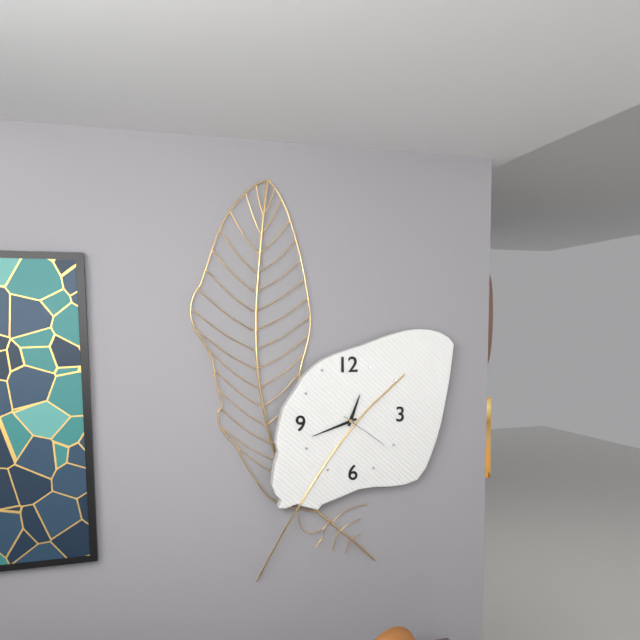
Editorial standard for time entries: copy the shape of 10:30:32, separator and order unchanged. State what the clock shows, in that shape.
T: 12:42:21
